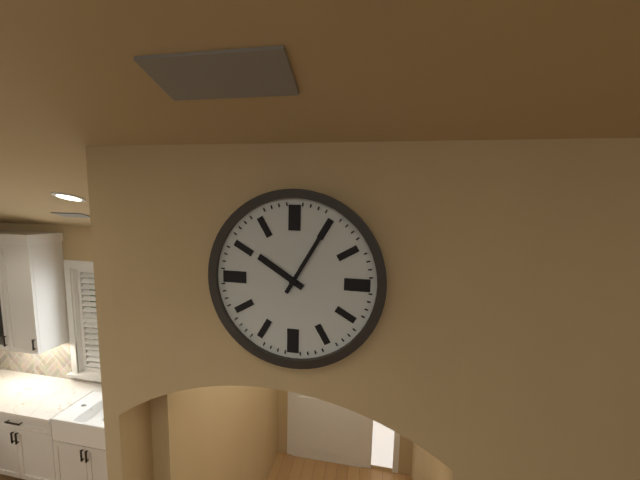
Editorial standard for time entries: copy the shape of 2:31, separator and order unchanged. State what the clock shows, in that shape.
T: 10:05
